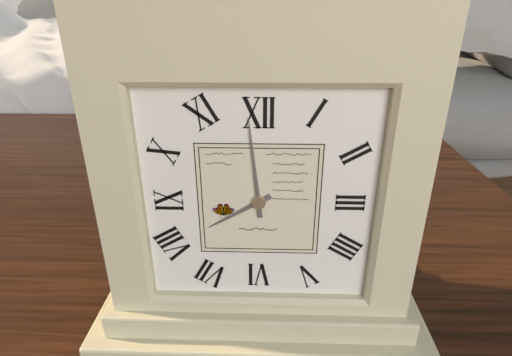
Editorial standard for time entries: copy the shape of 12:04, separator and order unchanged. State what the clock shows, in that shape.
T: 7:59
